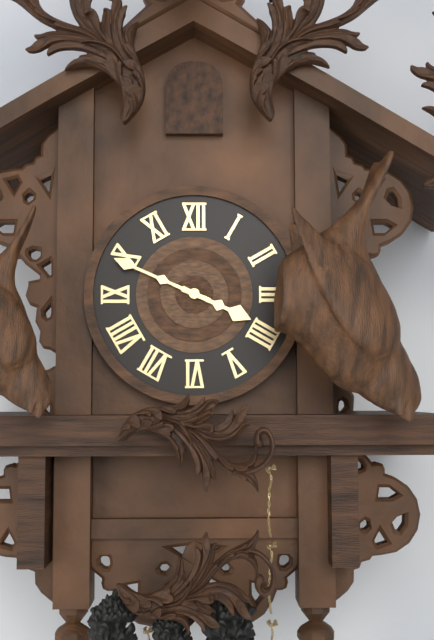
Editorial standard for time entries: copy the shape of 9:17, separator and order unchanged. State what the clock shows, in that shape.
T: 3:49
